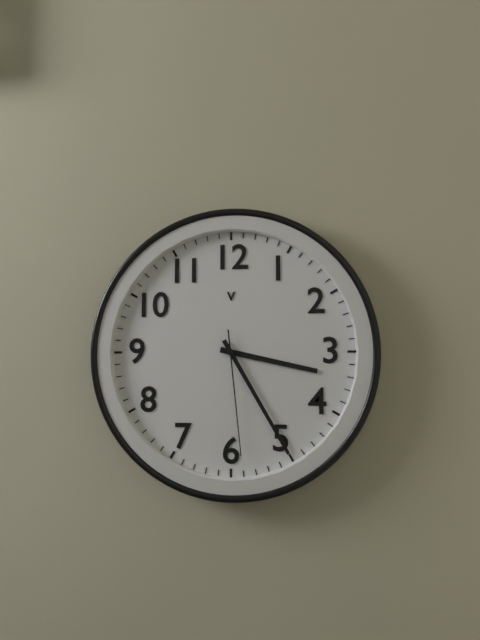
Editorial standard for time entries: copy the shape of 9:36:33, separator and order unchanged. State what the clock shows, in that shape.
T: 3:25:29
